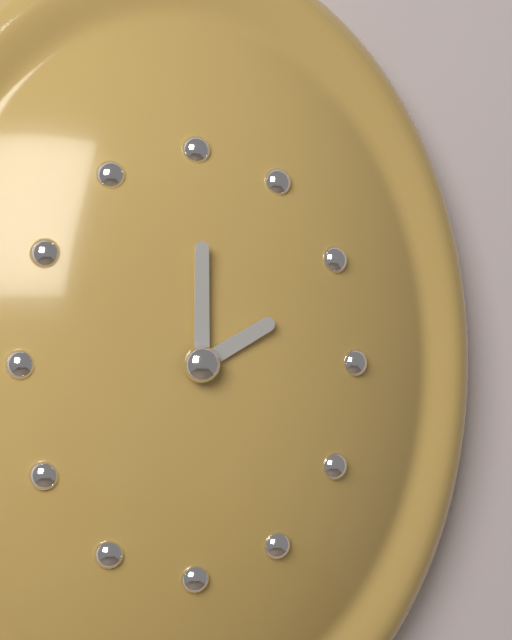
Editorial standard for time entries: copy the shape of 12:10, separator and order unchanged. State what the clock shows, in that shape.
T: 2:00
